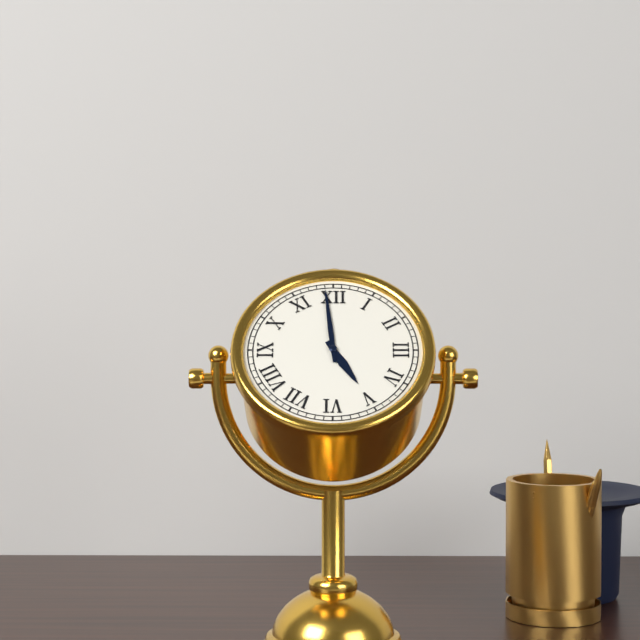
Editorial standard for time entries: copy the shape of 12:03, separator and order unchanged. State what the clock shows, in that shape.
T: 4:59
